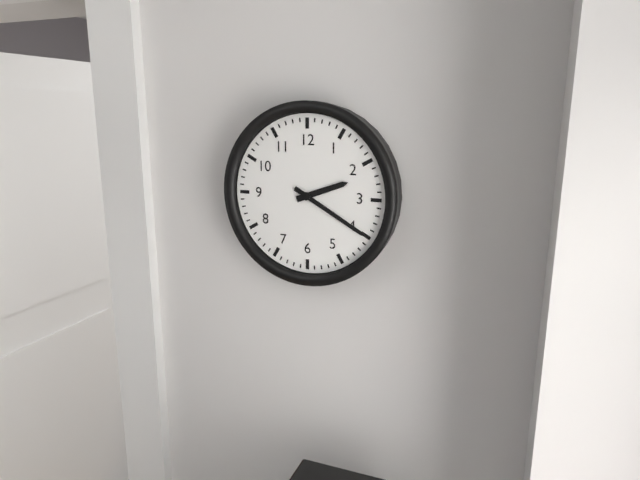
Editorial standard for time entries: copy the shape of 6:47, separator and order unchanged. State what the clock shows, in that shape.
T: 2:20
